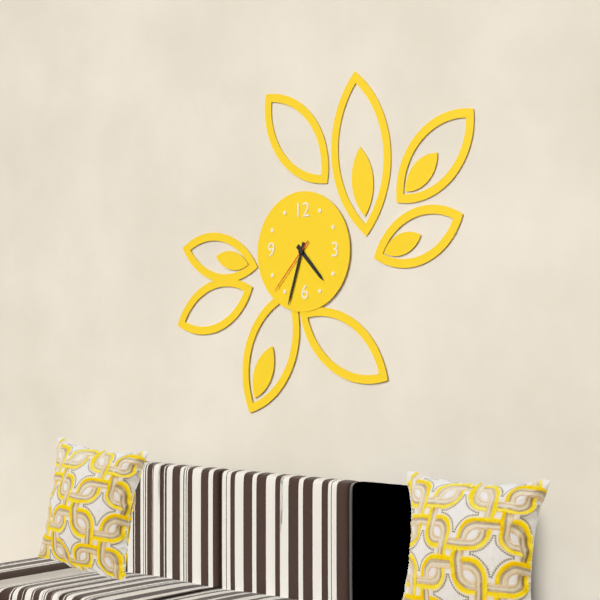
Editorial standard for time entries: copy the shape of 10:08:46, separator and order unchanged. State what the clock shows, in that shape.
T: 4:33:37
